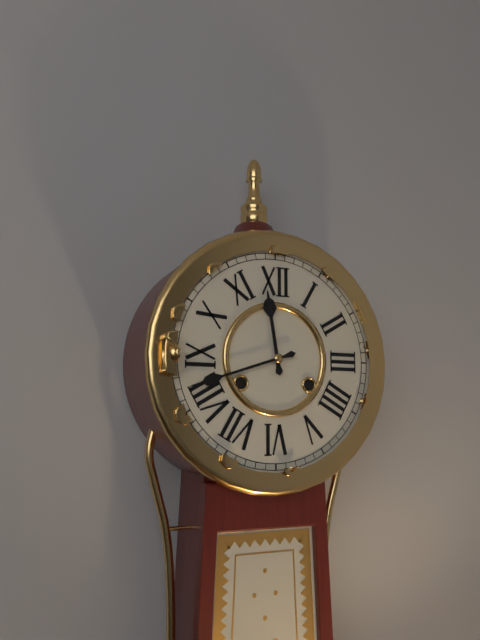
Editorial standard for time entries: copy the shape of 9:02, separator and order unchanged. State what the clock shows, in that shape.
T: 11:42
